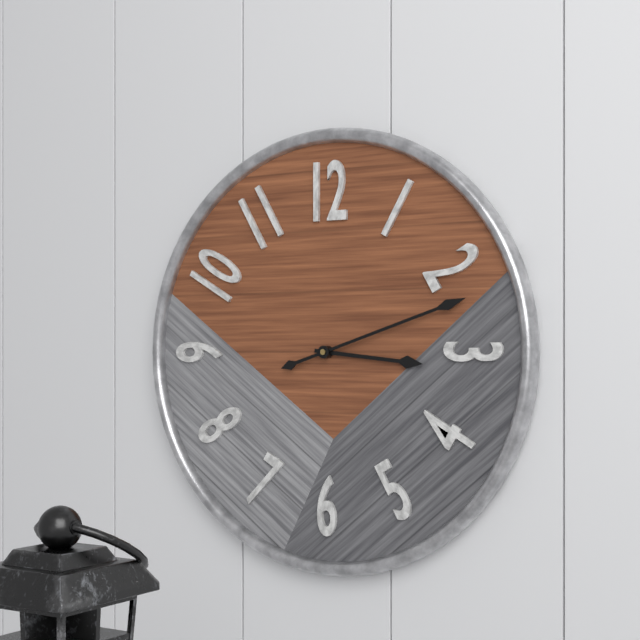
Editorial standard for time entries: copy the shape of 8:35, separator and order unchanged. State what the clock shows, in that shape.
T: 3:12
